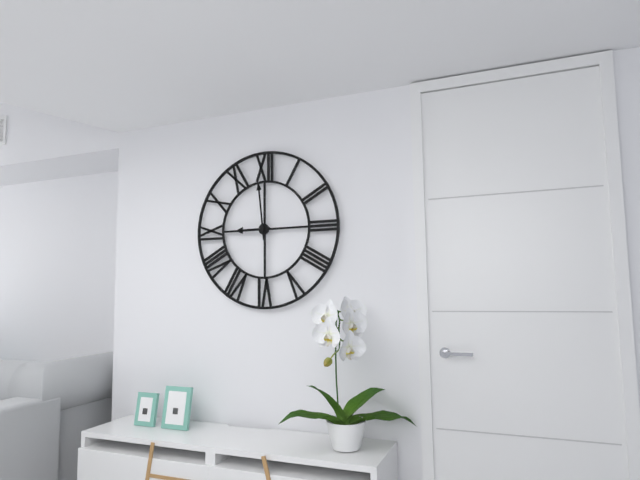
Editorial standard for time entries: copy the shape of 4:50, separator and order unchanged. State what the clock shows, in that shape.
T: 8:59
